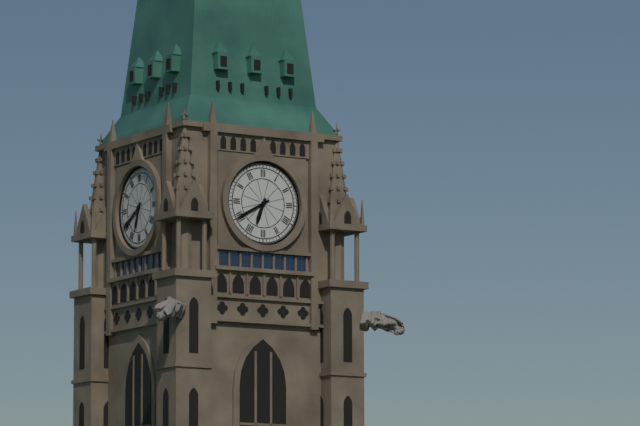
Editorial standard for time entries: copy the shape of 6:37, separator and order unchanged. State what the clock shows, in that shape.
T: 6:40
